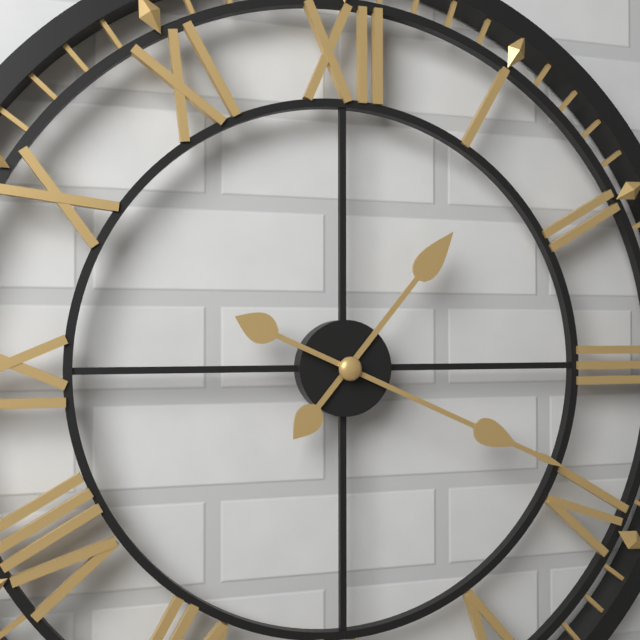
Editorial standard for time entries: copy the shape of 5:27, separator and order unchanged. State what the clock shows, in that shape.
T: 1:19
